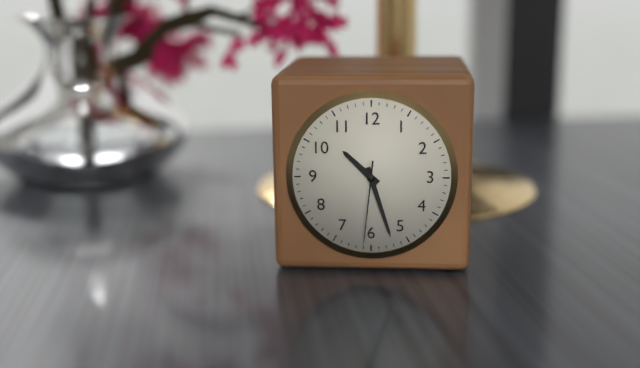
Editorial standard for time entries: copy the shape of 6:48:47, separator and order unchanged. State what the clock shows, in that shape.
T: 10:27:31
